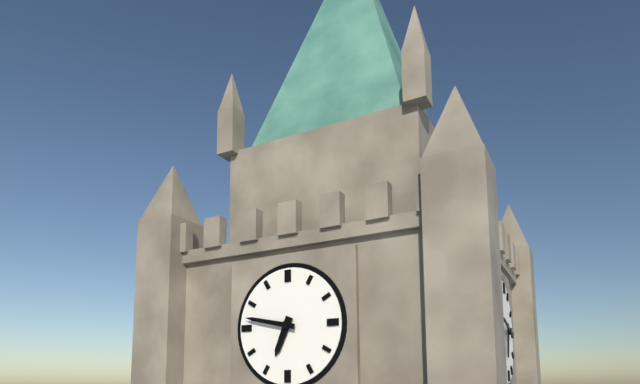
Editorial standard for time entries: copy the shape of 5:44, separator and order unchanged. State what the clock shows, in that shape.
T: 6:47
